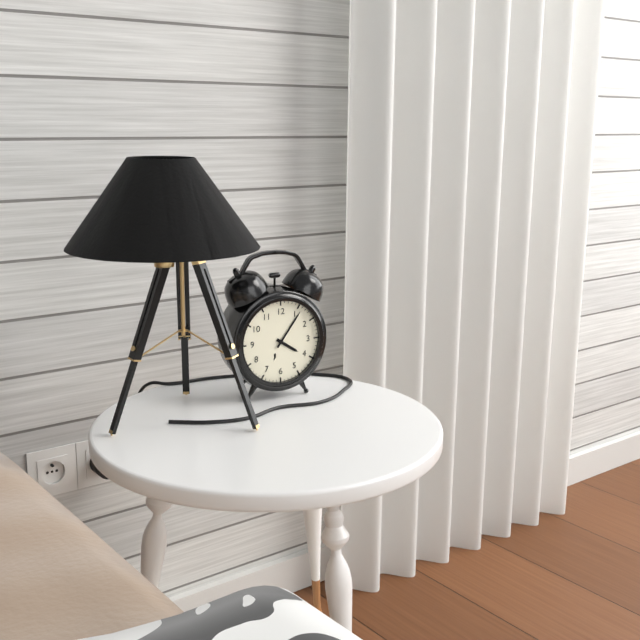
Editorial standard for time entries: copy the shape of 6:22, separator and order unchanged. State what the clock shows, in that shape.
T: 4:06
